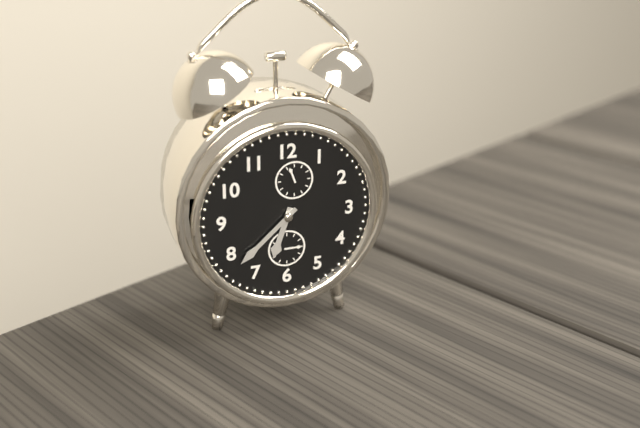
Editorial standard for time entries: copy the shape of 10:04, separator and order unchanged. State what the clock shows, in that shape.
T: 6:38
